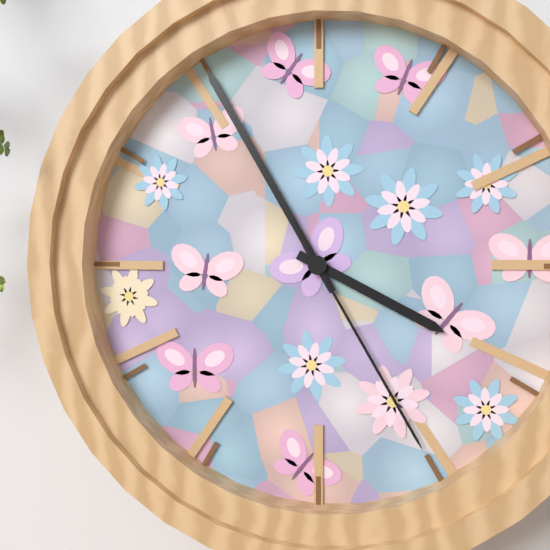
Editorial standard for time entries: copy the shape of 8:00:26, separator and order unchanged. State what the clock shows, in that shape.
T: 3:55:25
